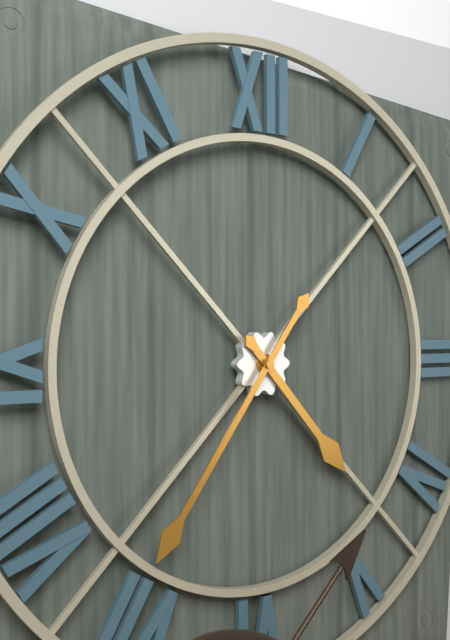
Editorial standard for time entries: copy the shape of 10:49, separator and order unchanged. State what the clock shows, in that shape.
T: 4:36
